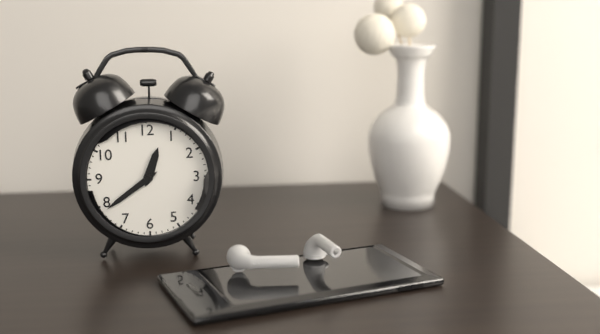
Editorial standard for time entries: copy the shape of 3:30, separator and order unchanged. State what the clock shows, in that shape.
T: 12:39
